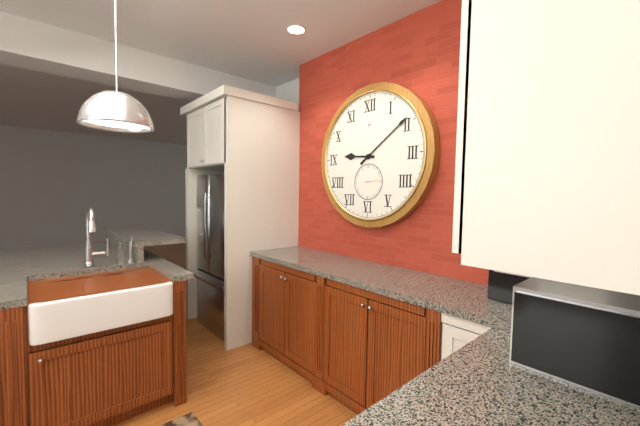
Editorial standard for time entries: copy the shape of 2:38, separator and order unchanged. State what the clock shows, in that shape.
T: 9:09
